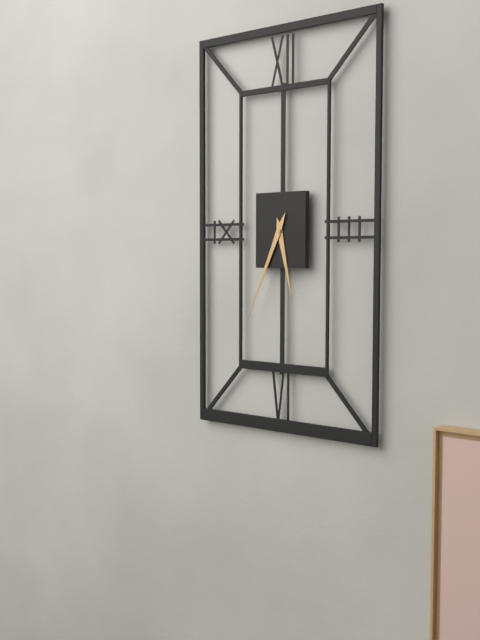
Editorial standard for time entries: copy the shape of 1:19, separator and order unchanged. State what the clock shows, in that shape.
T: 5:34
